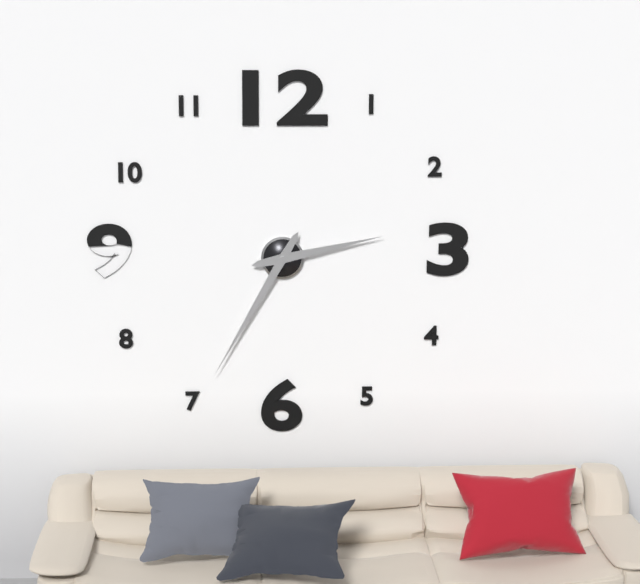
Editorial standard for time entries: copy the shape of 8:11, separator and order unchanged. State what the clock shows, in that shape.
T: 2:35
